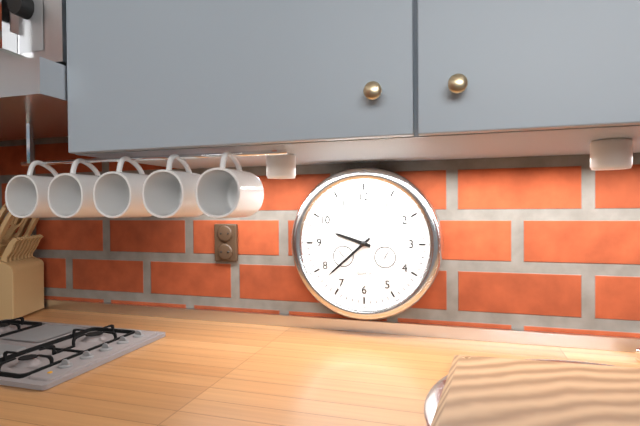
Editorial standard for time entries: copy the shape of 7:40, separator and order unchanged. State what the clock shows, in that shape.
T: 9:38
